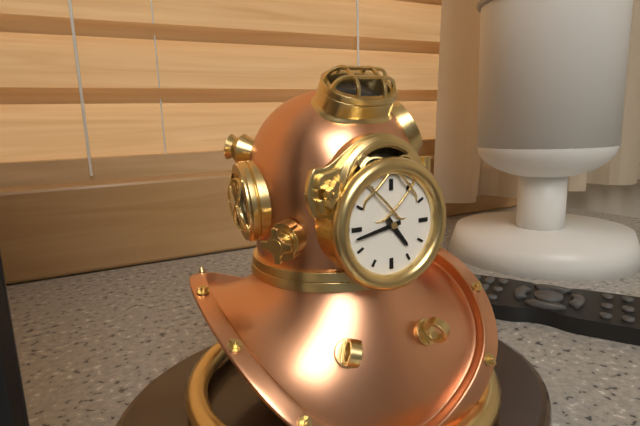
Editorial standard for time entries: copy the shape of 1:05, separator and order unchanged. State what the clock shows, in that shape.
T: 4:43
